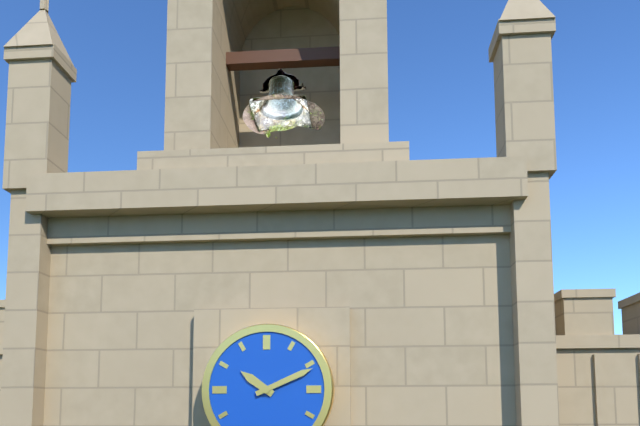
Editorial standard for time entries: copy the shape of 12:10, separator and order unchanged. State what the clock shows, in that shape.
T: 10:11
